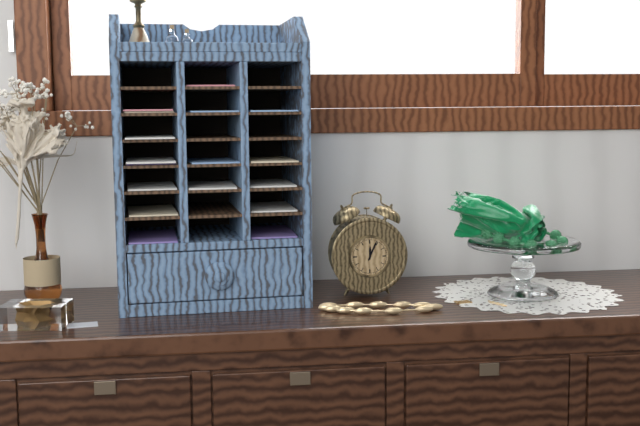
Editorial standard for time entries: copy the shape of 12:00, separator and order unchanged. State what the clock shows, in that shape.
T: 12:04
